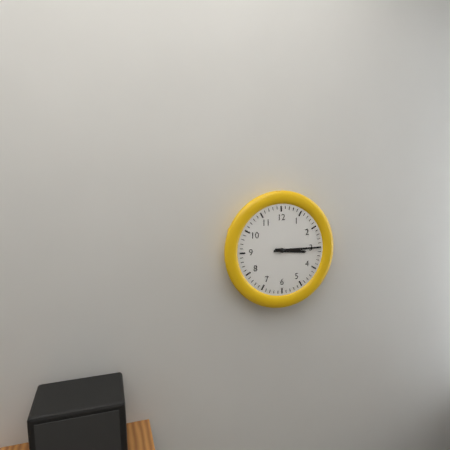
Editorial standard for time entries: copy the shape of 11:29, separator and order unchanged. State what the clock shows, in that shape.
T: 3:15
